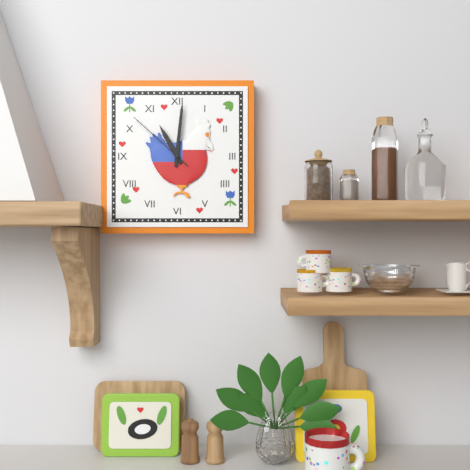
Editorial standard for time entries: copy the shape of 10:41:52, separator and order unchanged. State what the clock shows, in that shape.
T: 11:01:52
